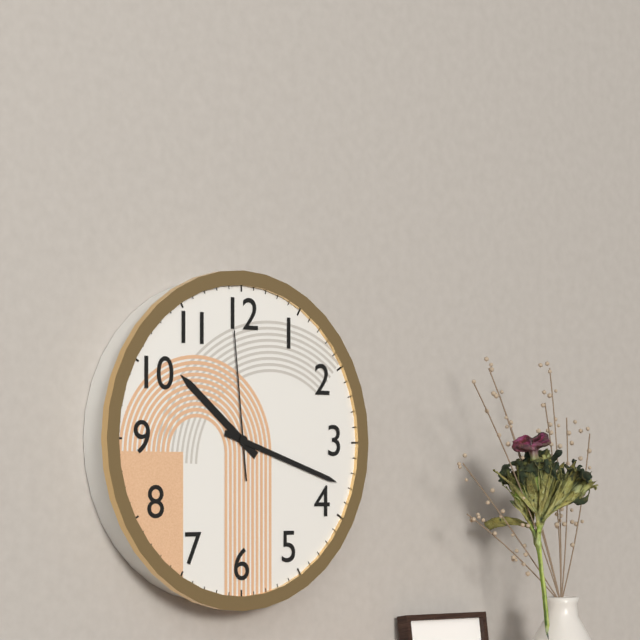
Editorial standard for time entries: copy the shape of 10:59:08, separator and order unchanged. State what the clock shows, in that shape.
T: 10:18:59
